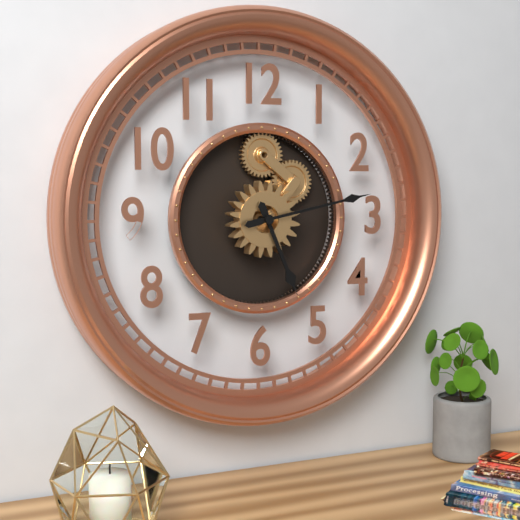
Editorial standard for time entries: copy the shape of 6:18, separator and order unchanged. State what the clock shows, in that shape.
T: 5:13
